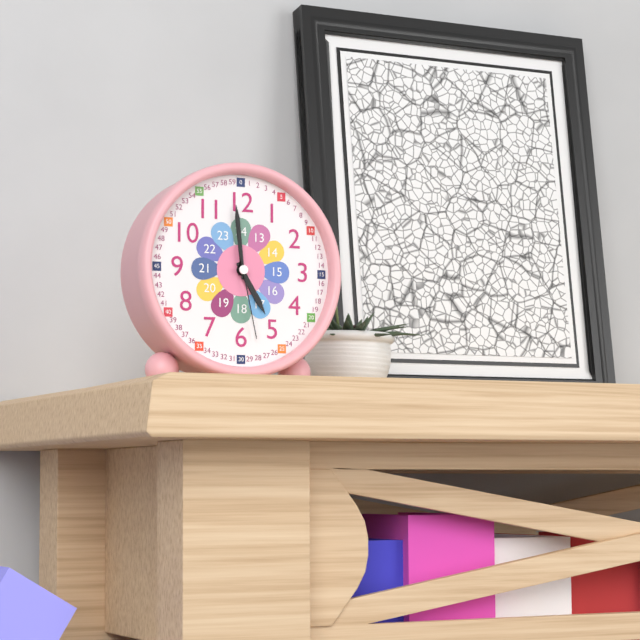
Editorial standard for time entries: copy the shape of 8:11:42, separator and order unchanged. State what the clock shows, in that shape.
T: 4:59:28
